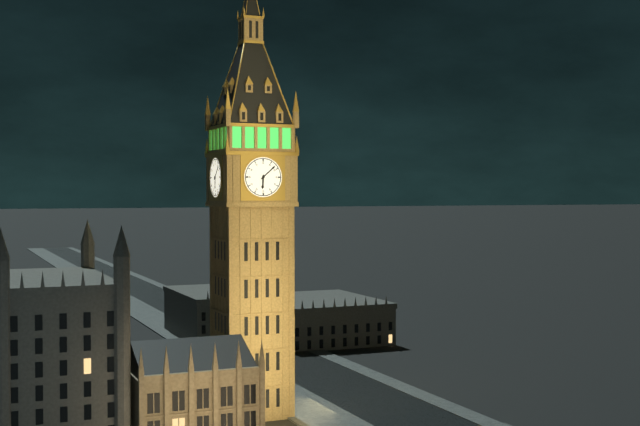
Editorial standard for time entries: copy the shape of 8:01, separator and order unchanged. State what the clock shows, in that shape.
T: 6:08
